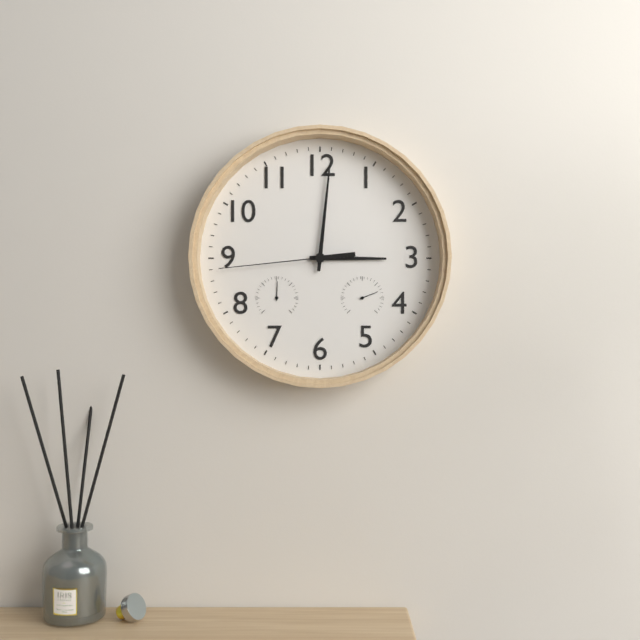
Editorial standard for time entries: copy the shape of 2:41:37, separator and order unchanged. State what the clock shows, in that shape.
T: 3:01:44
